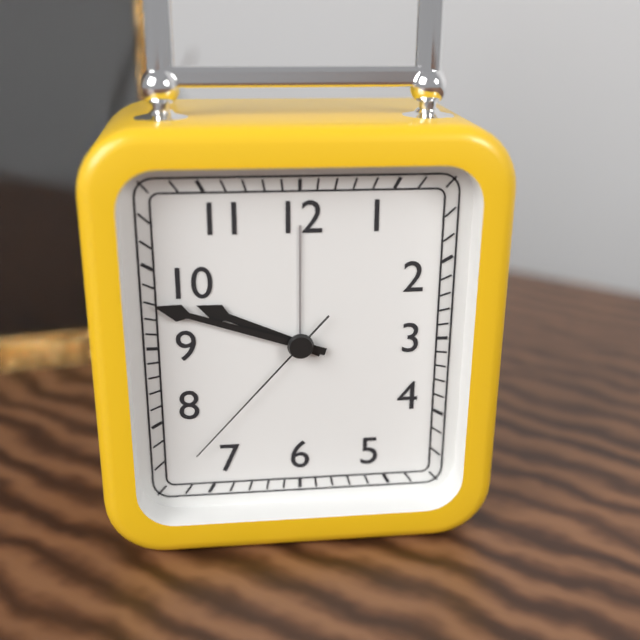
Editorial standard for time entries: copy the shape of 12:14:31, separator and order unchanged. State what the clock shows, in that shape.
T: 9:48:37
